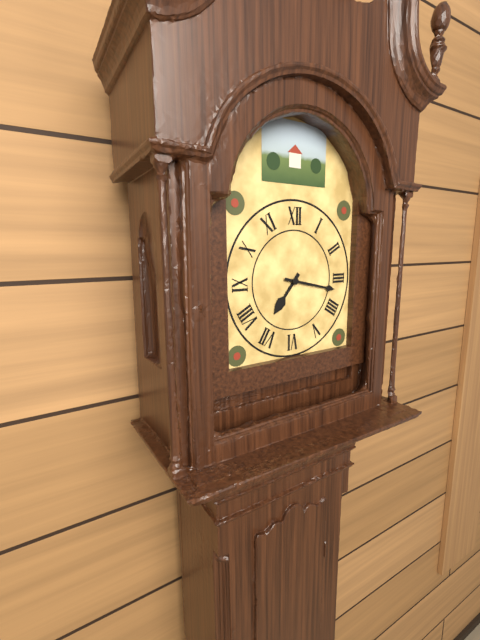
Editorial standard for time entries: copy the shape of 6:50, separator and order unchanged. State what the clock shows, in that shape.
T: 7:17
